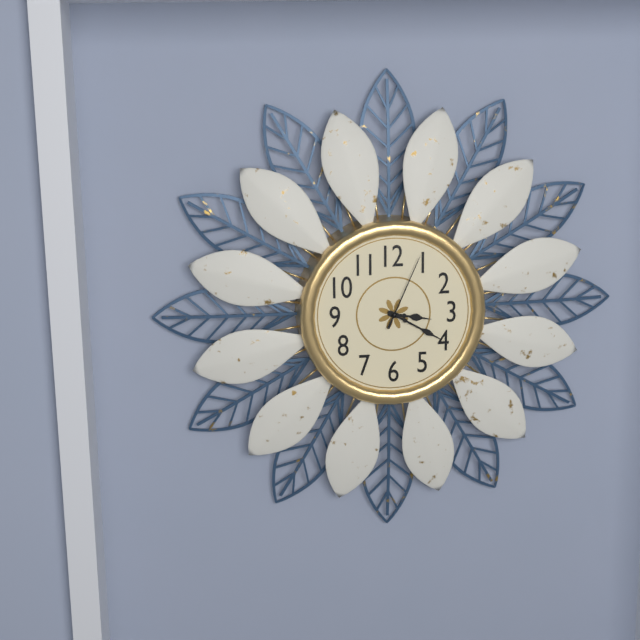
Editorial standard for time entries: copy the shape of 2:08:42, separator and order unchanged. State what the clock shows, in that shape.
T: 3:20:04
